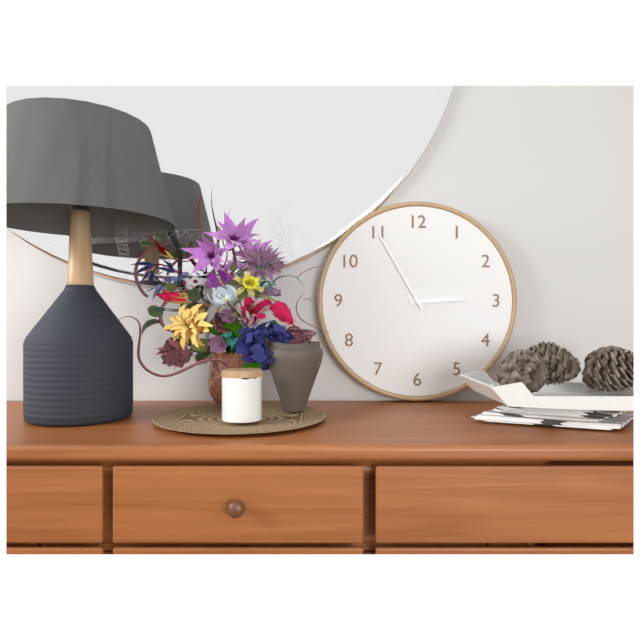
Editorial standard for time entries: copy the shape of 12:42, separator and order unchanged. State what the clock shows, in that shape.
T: 2:55
